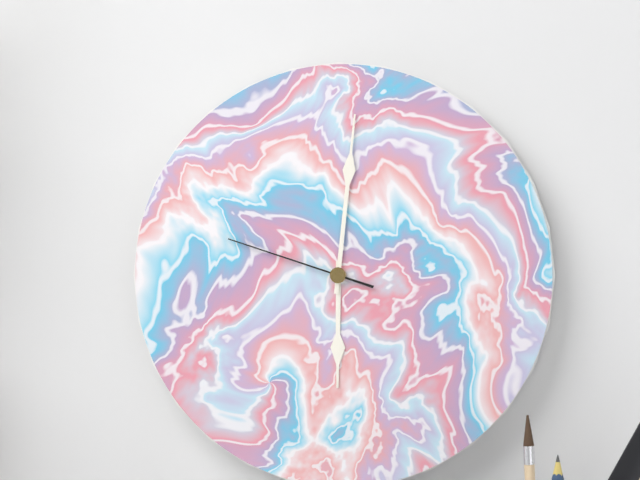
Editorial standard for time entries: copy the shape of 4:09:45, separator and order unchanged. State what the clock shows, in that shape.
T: 6:01:48
